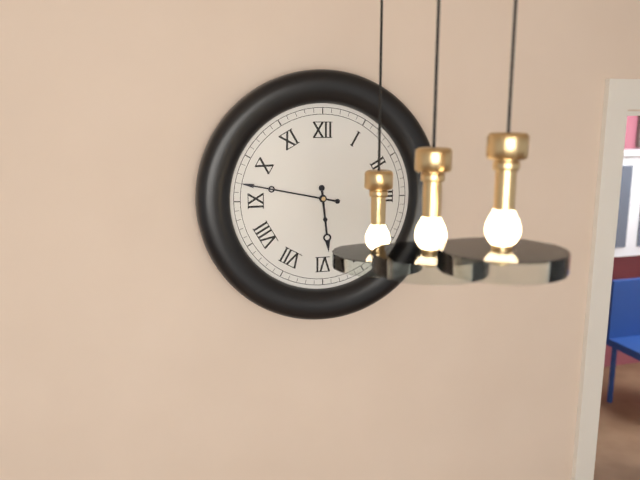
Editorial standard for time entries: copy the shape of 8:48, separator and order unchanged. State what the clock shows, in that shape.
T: 5:47
